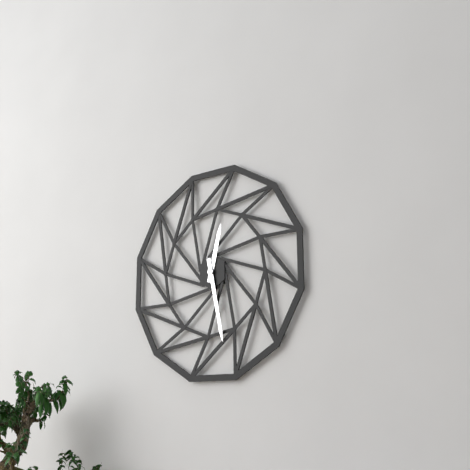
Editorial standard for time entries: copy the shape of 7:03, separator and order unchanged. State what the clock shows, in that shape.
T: 12:28
